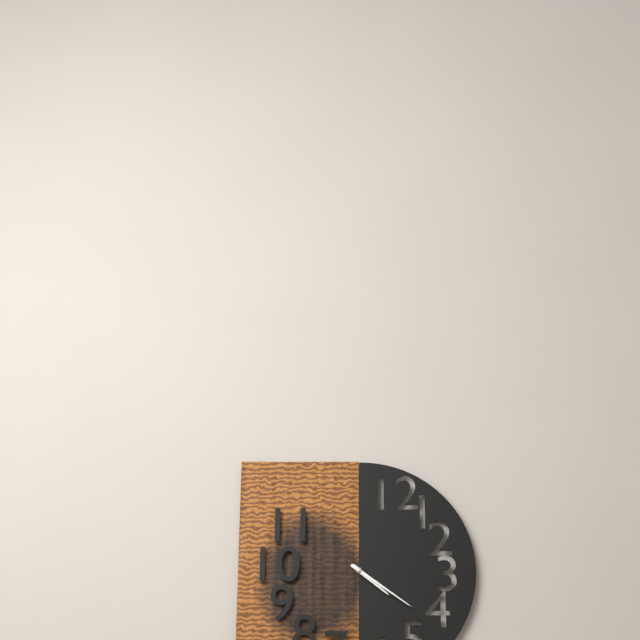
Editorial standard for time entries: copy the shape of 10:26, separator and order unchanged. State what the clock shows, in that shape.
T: 4:21
